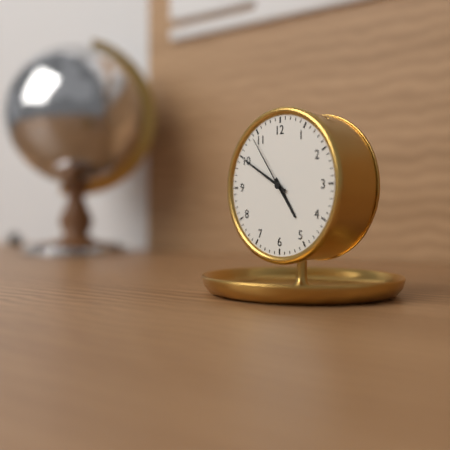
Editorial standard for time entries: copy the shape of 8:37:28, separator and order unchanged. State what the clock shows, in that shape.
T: 4:50:54
